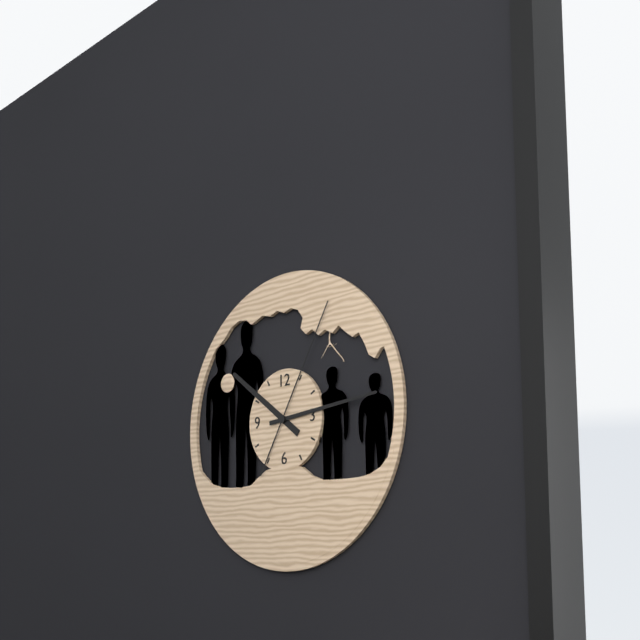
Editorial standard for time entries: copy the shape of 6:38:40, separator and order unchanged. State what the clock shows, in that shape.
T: 10:14:05
